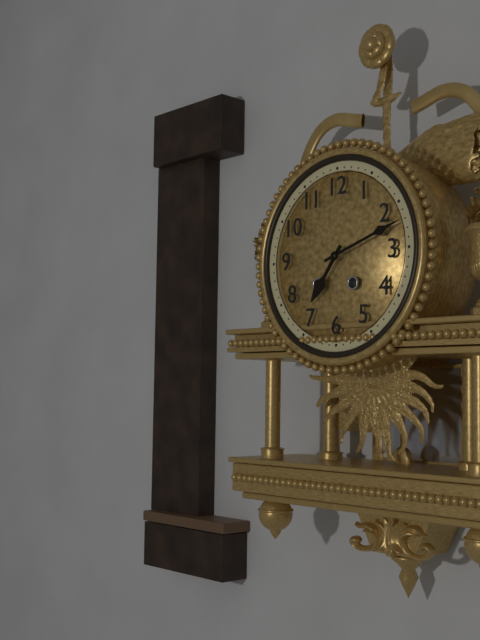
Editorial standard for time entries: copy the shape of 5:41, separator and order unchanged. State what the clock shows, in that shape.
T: 7:12
